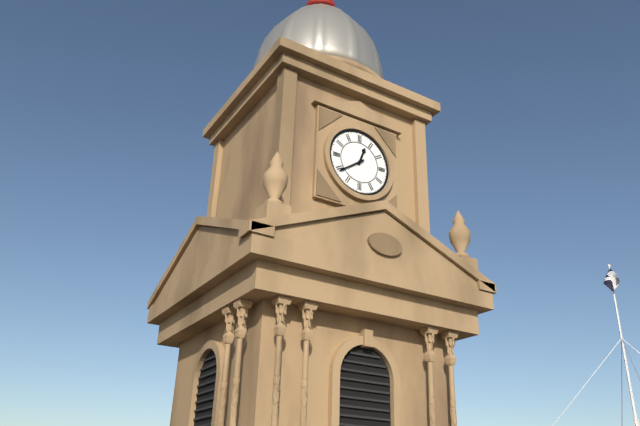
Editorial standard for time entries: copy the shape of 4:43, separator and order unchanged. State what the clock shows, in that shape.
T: 12:39
